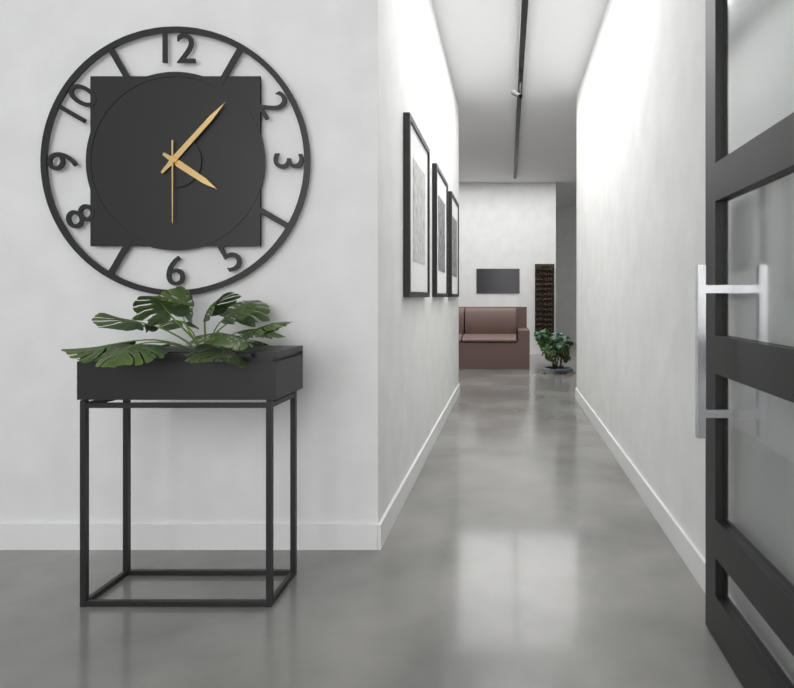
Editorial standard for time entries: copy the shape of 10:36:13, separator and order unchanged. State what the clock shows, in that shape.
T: 4:07:30
